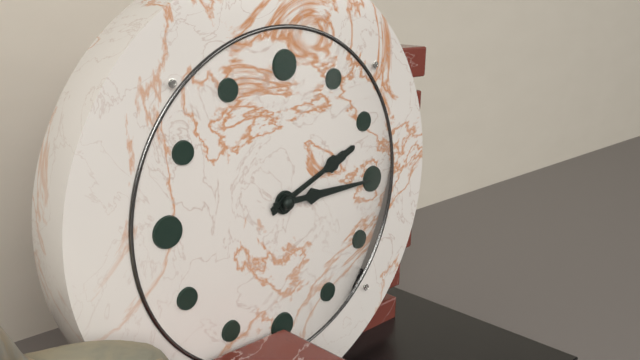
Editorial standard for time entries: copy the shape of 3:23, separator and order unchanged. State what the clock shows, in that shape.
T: 2:15
